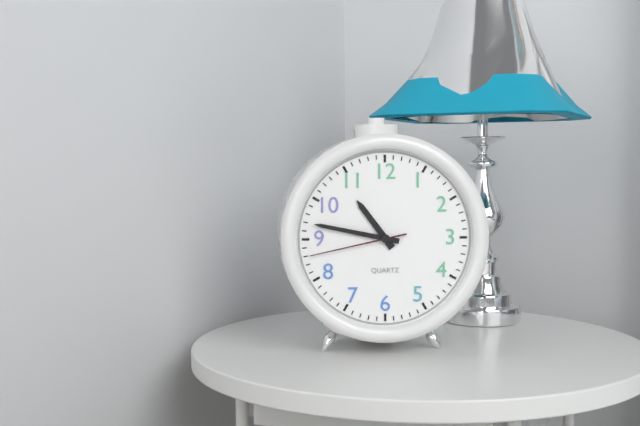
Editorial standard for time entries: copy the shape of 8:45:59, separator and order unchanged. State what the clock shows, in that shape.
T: 10:47:43
